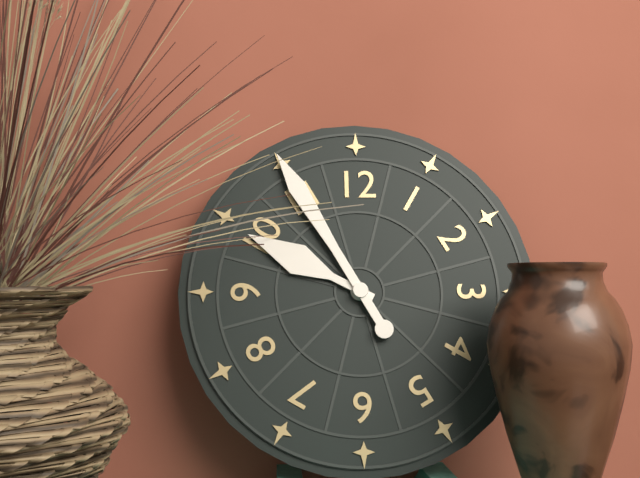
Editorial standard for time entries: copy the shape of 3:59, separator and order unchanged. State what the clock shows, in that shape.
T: 9:55
